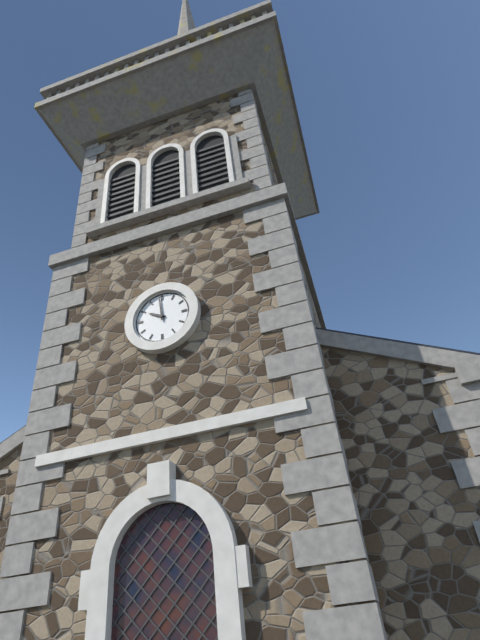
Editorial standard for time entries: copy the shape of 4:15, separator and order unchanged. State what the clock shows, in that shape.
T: 9:59
